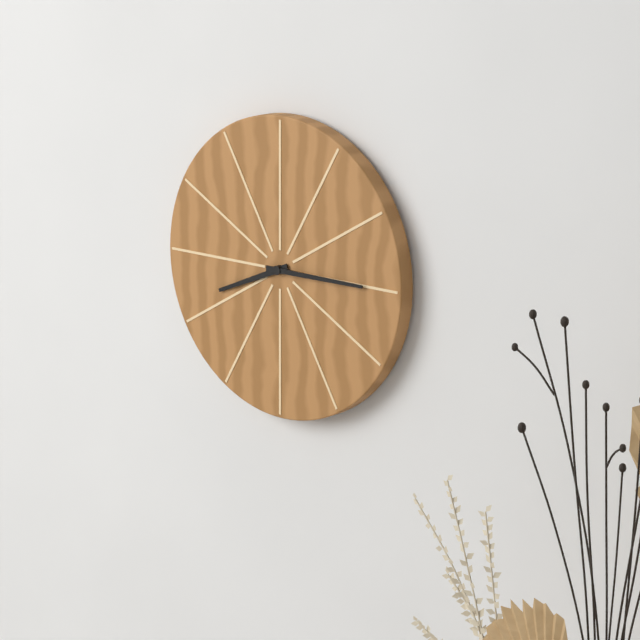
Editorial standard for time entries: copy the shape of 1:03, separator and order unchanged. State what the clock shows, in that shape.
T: 8:15
